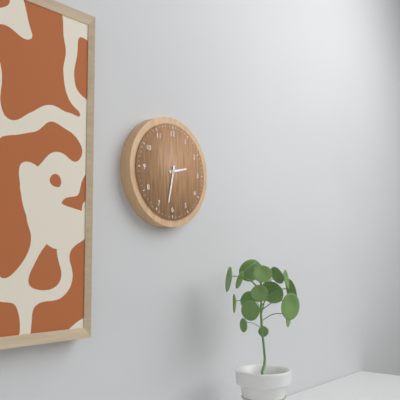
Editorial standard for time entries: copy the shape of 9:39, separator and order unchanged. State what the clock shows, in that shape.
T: 2:32
